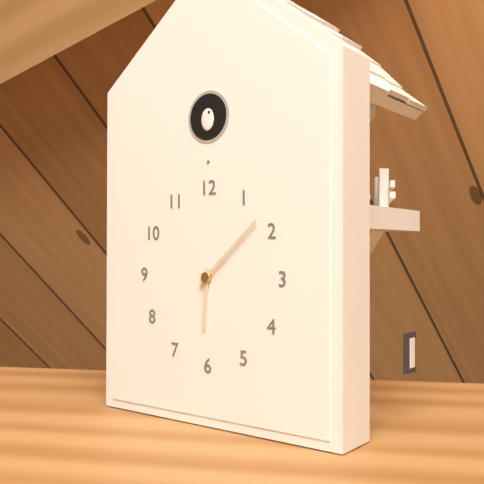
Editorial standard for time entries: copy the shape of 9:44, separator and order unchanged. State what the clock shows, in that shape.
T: 6:08
